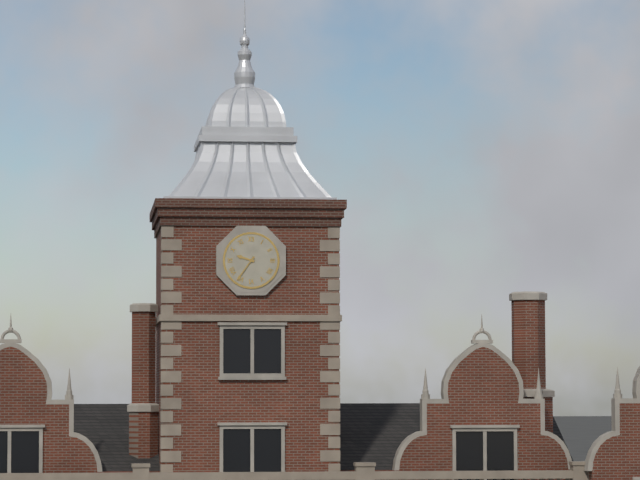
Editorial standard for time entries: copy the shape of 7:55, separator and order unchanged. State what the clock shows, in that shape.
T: 9:36
